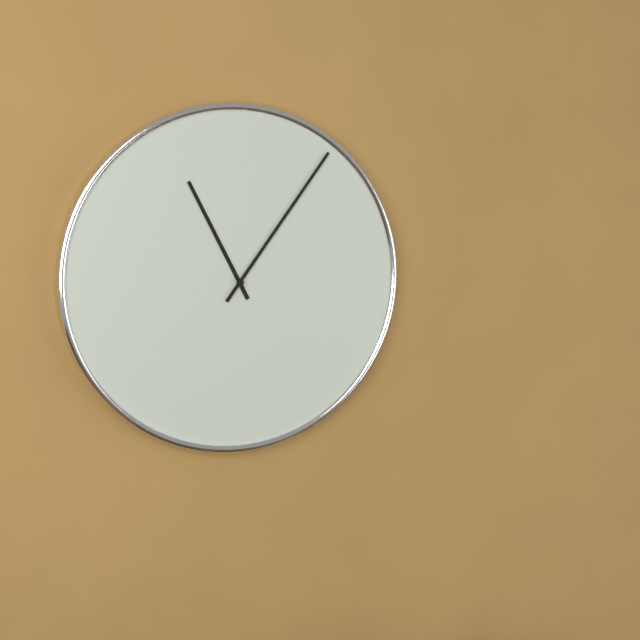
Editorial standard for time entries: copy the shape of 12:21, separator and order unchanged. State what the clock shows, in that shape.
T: 11:06
